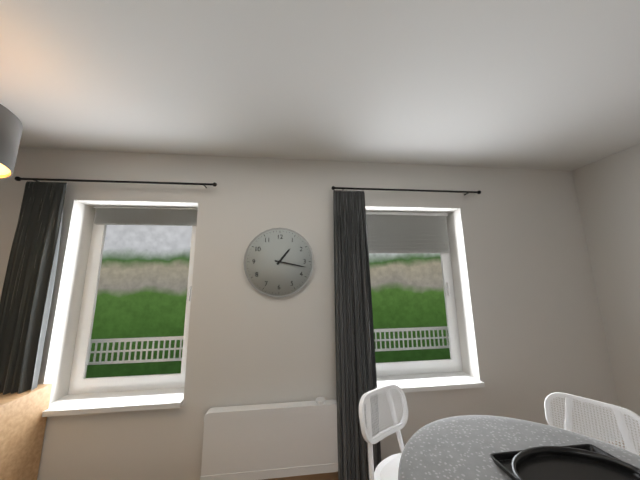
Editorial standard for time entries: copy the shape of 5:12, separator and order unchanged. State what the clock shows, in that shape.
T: 1:17
